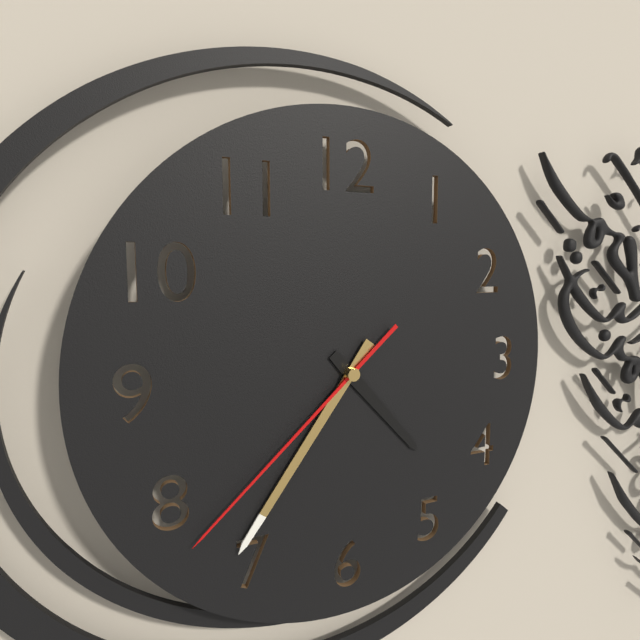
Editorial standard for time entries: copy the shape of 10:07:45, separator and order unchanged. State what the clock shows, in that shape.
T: 4:36:38
